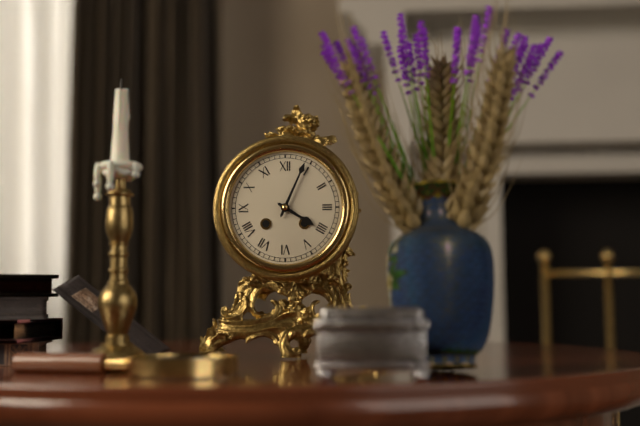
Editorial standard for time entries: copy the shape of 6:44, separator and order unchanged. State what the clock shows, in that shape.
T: 4:04
